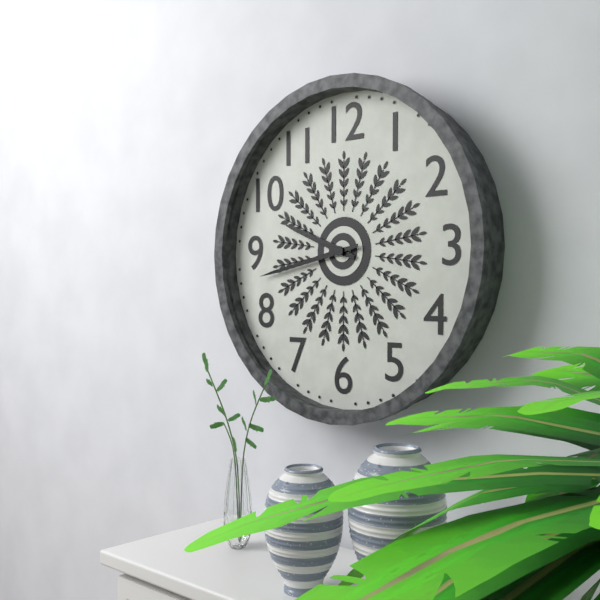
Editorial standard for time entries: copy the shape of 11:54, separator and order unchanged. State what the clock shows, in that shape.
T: 9:43
